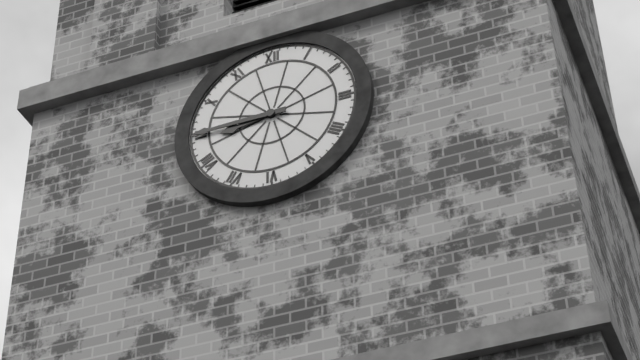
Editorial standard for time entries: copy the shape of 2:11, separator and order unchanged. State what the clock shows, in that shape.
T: 8:45
